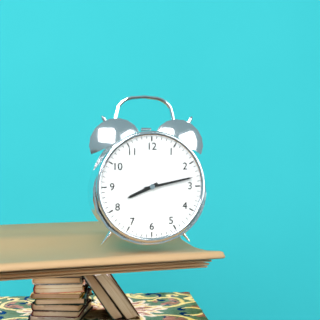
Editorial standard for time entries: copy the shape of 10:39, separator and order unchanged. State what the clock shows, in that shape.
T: 8:13
